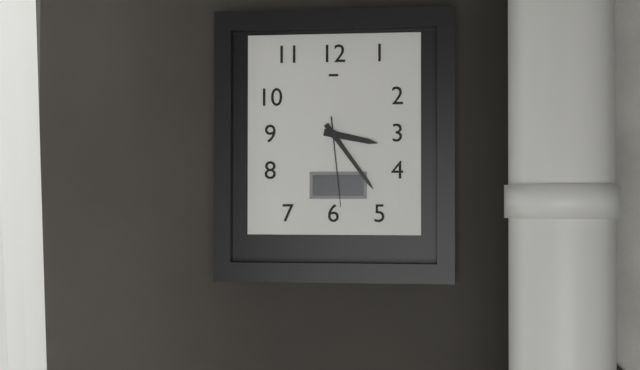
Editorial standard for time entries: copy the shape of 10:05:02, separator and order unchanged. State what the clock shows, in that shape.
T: 3:24:29
